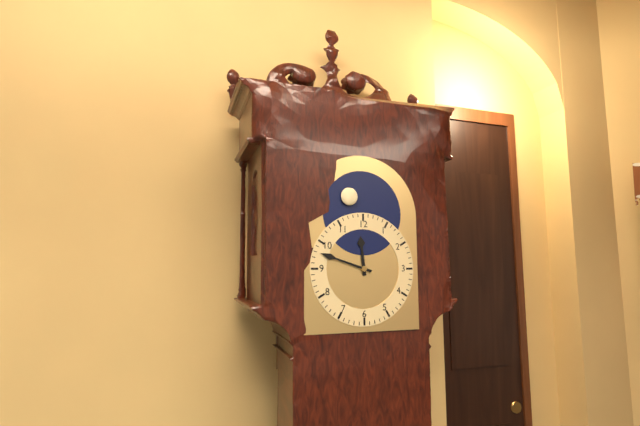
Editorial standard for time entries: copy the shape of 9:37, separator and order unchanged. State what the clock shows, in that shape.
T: 11:48
